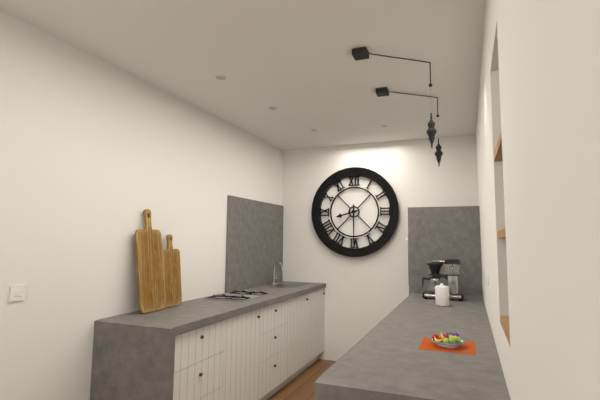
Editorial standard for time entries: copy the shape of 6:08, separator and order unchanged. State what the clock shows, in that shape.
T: 8:30
